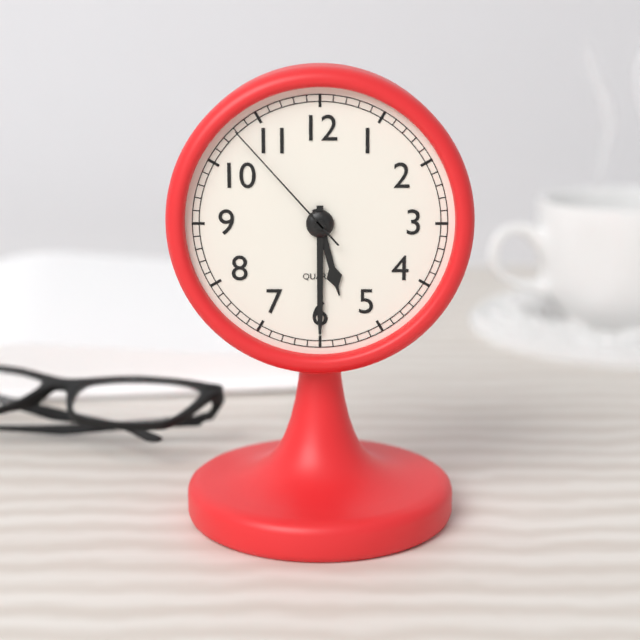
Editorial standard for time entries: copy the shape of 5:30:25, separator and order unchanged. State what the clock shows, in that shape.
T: 5:30:53
